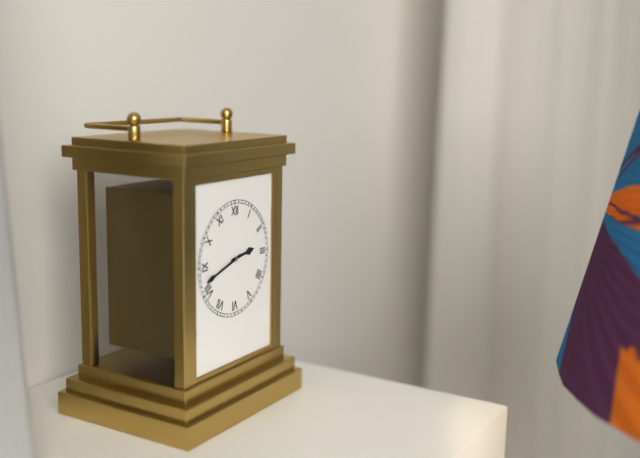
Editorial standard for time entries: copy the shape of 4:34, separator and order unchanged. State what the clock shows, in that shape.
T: 2:42
